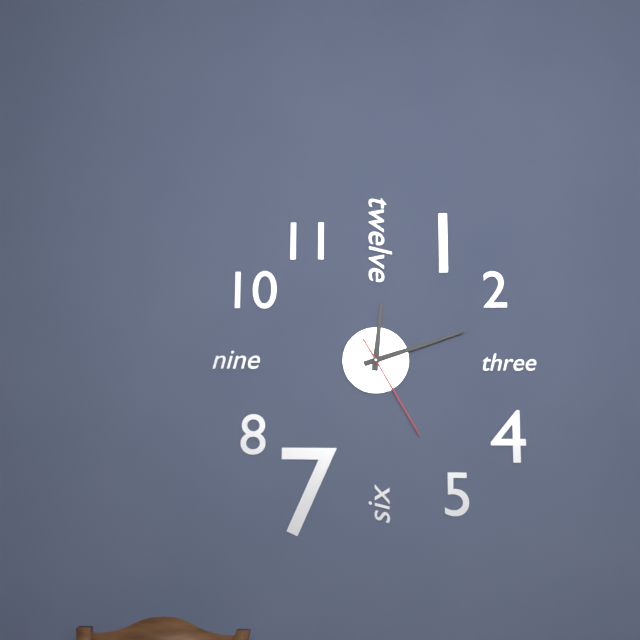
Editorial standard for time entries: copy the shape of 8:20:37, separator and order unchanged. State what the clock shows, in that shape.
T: 12:12:25
